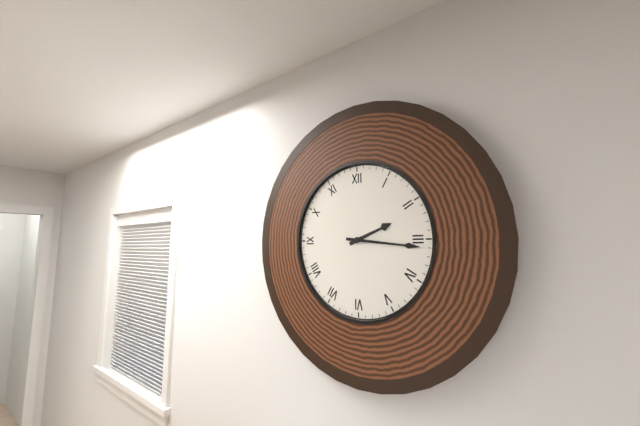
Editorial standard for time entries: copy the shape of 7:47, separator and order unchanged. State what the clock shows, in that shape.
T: 2:16
